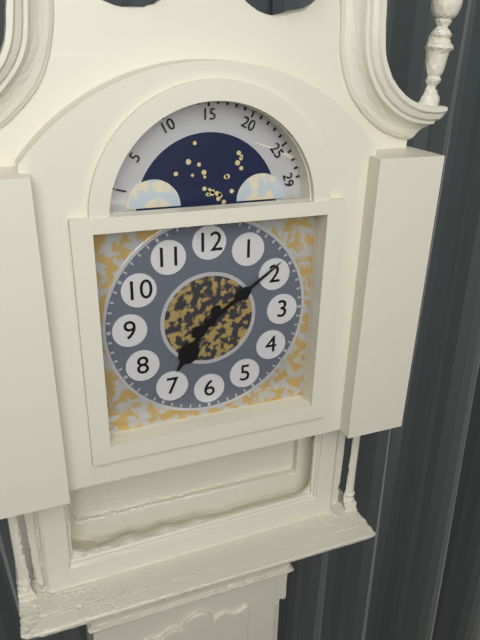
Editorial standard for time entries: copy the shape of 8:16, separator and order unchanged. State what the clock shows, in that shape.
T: 7:09
